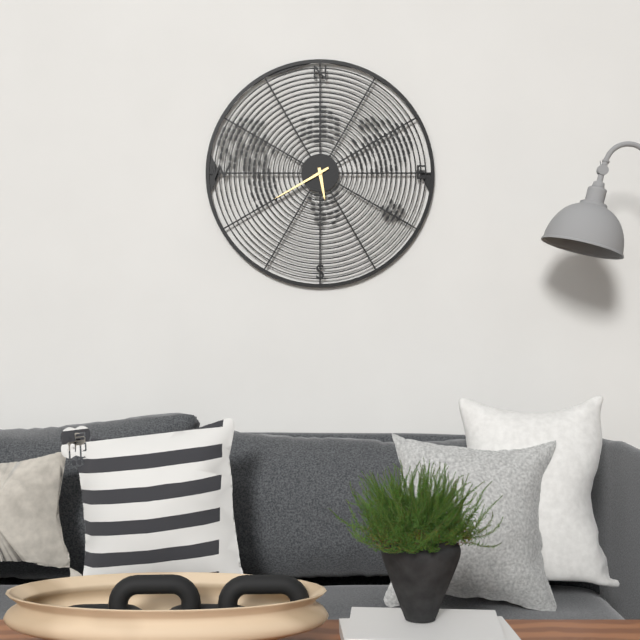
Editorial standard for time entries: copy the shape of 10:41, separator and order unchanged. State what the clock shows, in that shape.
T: 5:40
